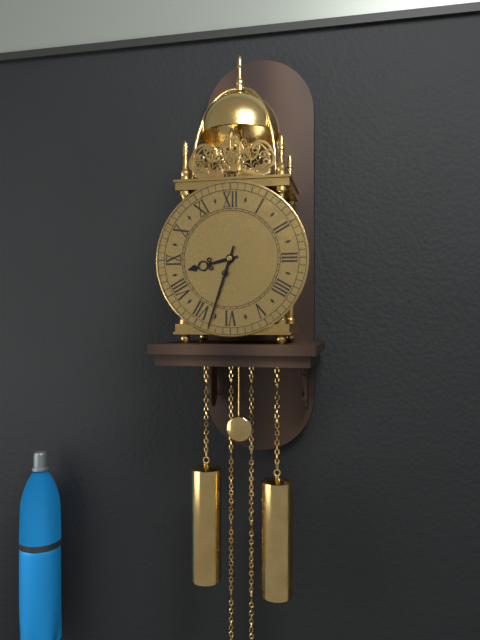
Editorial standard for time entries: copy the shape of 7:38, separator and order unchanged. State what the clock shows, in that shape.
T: 8:33
